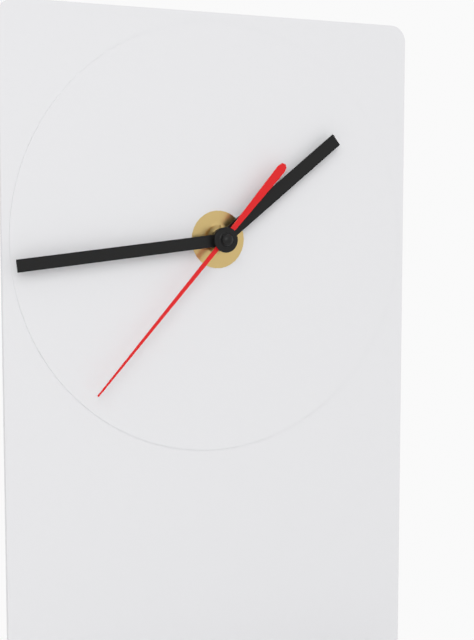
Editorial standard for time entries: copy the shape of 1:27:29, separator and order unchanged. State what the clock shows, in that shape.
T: 1:44:37
